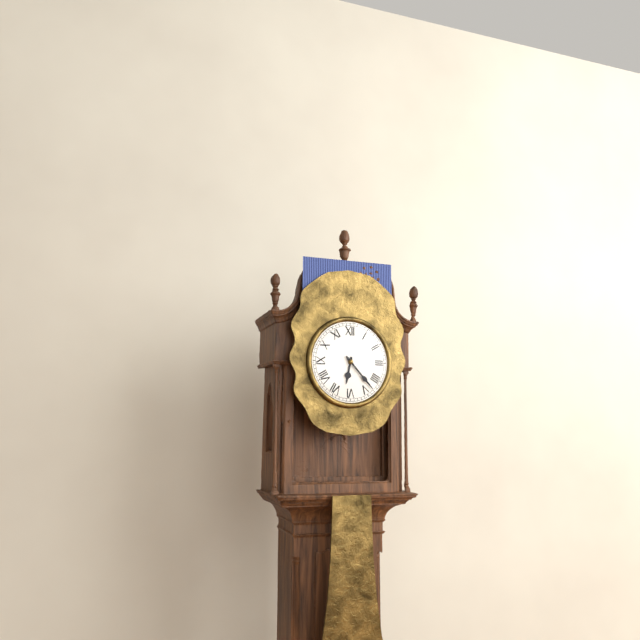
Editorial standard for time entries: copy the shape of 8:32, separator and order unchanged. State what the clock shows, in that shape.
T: 6:23
